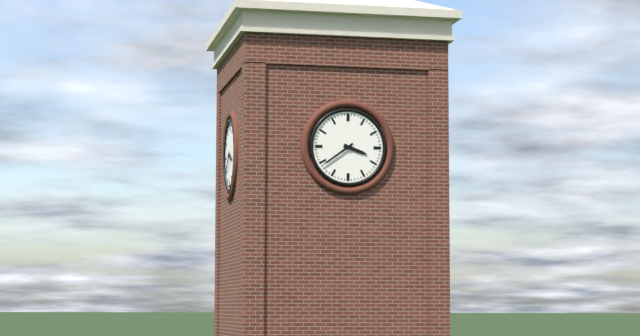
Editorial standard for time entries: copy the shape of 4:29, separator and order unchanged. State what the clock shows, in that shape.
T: 3:39
